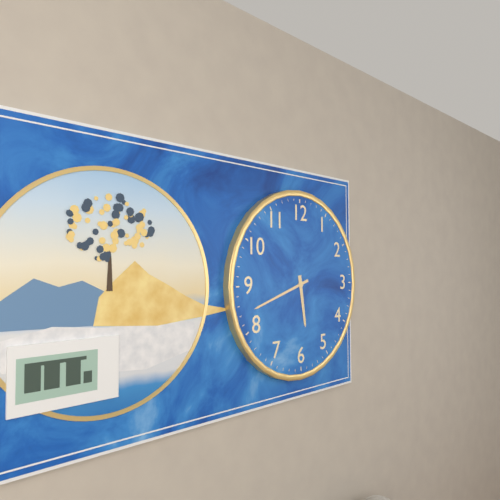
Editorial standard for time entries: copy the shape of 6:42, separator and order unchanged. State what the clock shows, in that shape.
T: 5:42
